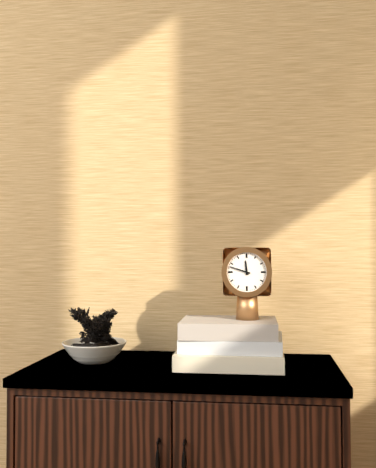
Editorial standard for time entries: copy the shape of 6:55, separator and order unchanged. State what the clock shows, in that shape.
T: 11:48
